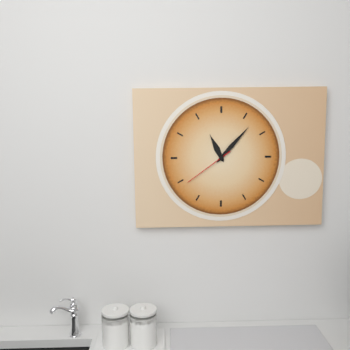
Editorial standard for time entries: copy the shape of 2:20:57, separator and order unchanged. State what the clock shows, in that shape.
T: 11:07:39
